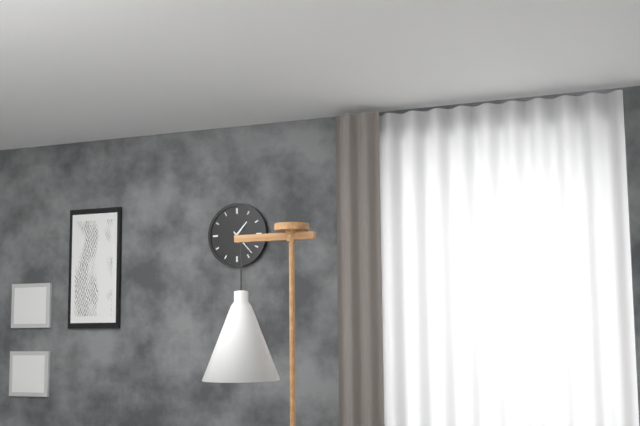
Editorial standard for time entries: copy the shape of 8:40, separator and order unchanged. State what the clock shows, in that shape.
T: 1:23
